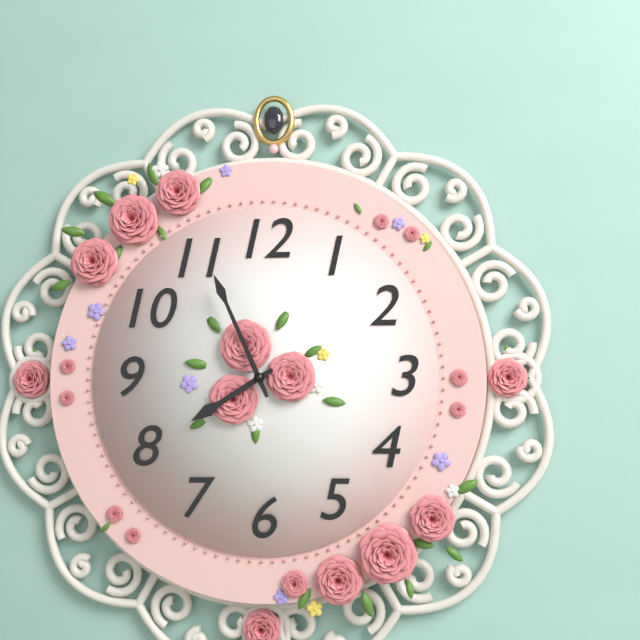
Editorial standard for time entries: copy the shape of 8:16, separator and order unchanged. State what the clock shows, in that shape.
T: 7:56
